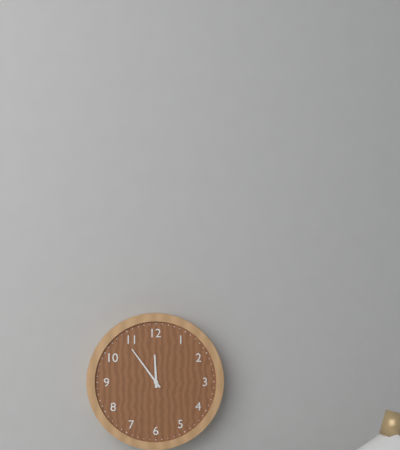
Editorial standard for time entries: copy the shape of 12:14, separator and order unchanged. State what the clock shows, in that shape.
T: 11:54
